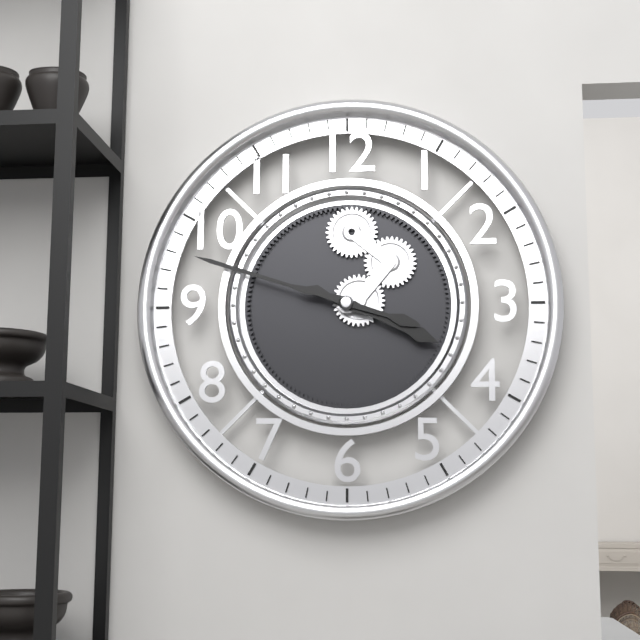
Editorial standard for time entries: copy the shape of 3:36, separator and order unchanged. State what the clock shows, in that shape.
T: 3:48
